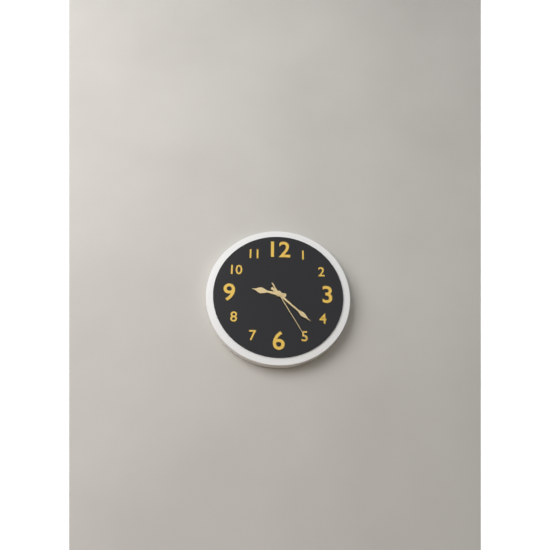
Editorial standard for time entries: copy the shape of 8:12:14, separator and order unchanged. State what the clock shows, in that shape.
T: 9:22:25
